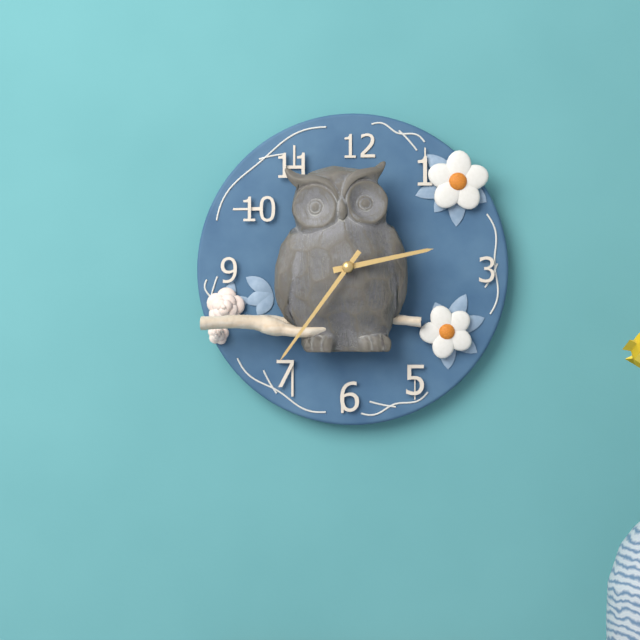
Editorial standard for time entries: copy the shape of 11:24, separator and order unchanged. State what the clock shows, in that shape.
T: 2:36
